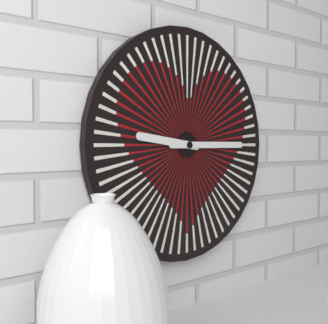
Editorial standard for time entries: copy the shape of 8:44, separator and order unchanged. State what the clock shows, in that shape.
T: 9:15
